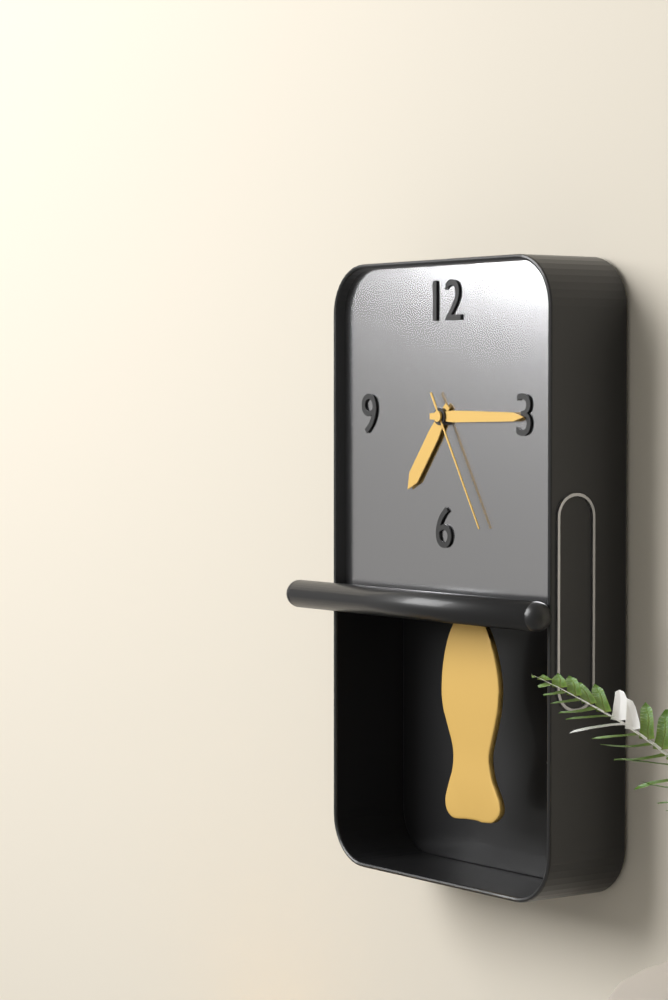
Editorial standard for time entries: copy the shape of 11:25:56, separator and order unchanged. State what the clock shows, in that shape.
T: 7:15:25
